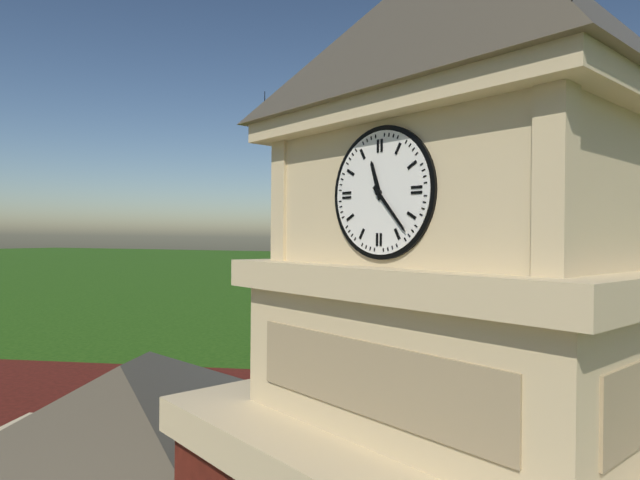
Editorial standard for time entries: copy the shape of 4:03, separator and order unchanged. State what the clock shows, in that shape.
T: 11:23
